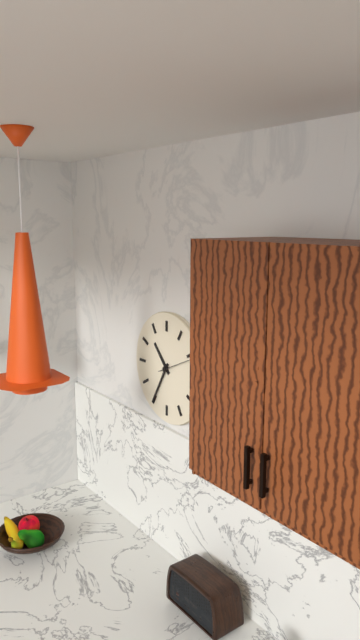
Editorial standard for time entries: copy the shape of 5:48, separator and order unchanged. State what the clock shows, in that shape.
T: 10:35
